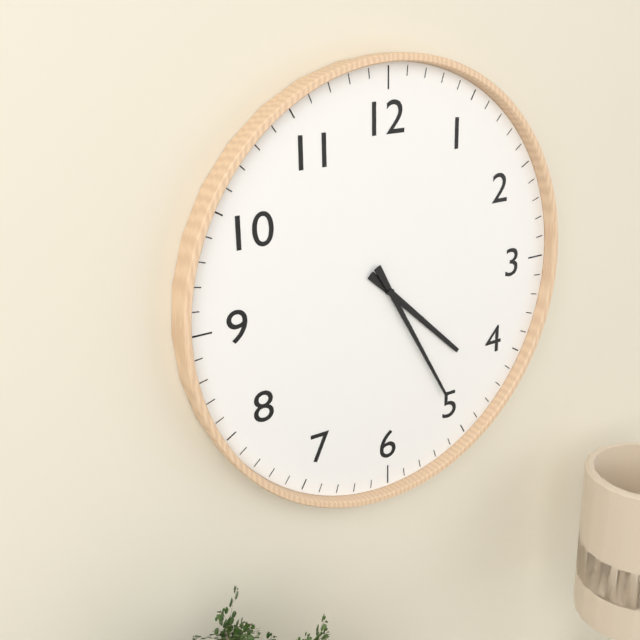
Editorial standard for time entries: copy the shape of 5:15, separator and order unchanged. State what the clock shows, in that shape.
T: 4:25
